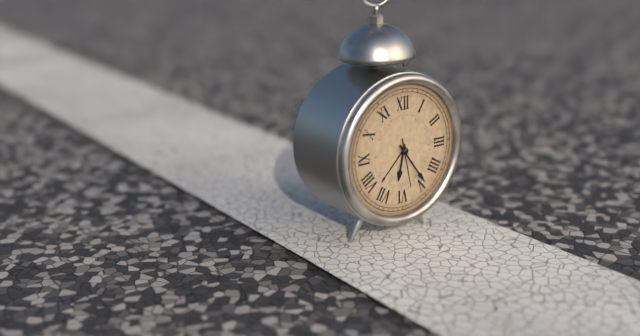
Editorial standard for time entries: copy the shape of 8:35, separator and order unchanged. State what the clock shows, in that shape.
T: 6:24
